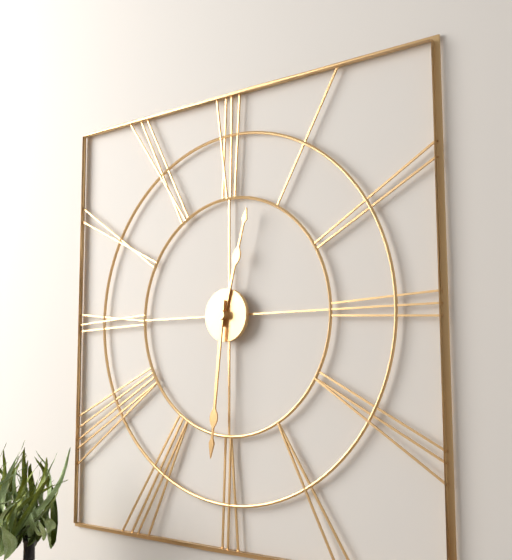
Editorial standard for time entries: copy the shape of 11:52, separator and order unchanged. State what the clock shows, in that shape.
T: 12:31
